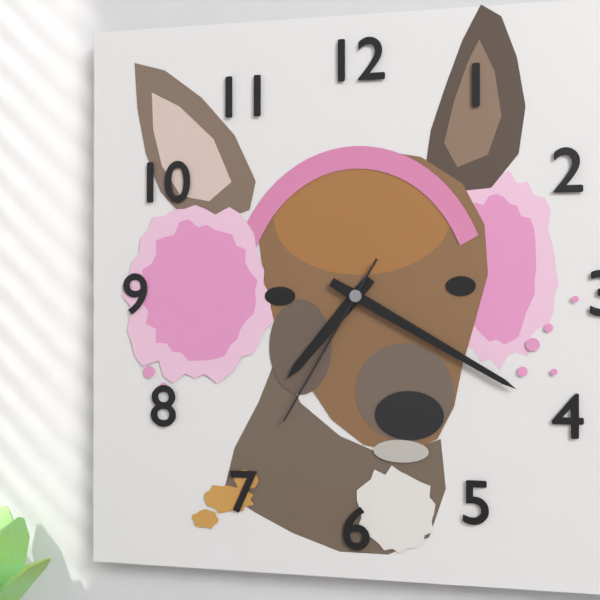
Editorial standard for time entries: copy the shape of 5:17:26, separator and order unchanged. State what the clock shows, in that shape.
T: 7:20:35
